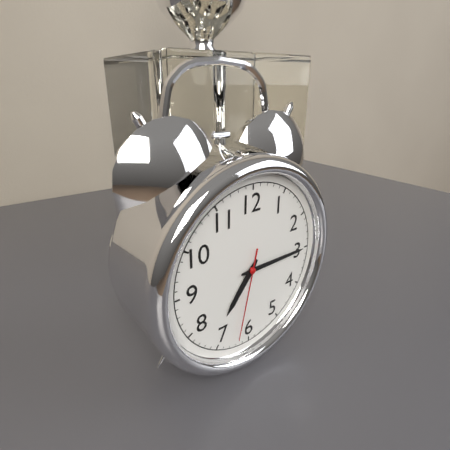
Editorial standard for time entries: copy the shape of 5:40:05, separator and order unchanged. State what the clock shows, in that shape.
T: 7:15:32
